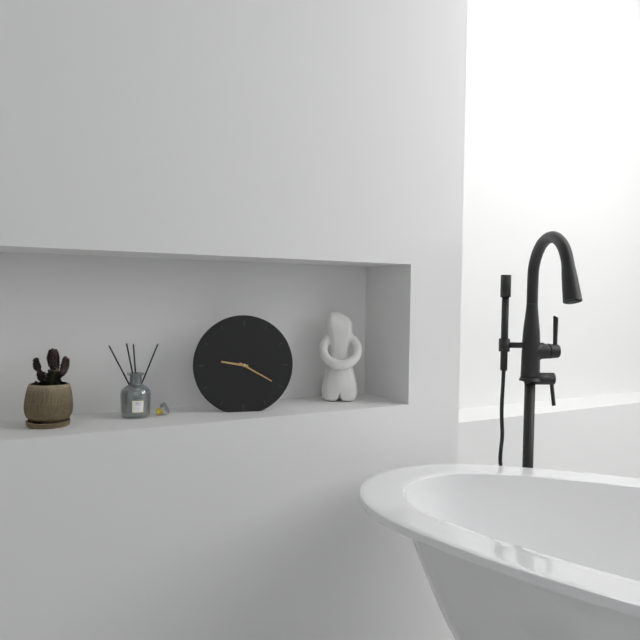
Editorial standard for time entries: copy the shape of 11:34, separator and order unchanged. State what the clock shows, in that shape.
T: 9:20
